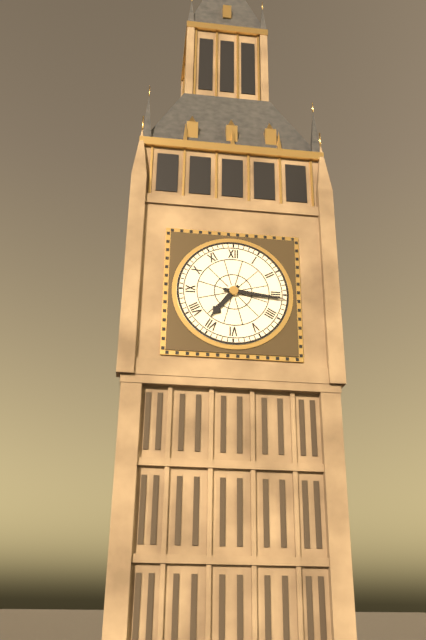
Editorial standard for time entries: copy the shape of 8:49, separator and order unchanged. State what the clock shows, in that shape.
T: 7:16
